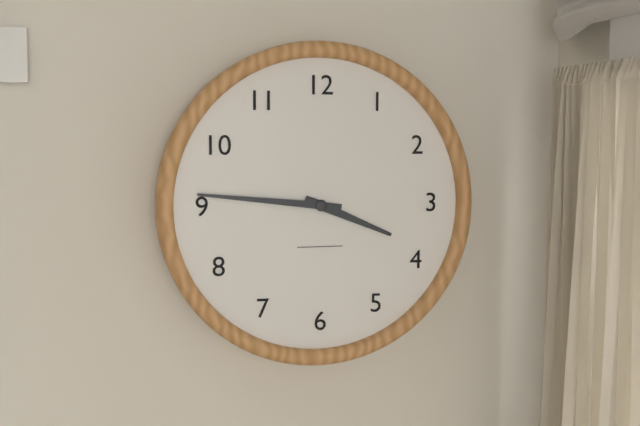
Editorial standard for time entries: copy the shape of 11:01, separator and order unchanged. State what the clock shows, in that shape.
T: 3:46
